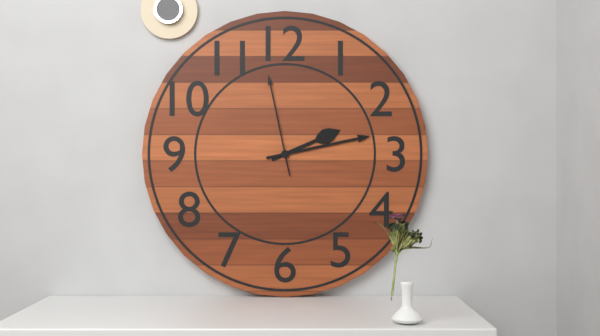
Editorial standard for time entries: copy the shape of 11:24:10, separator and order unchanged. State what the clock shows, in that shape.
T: 2:13:58
